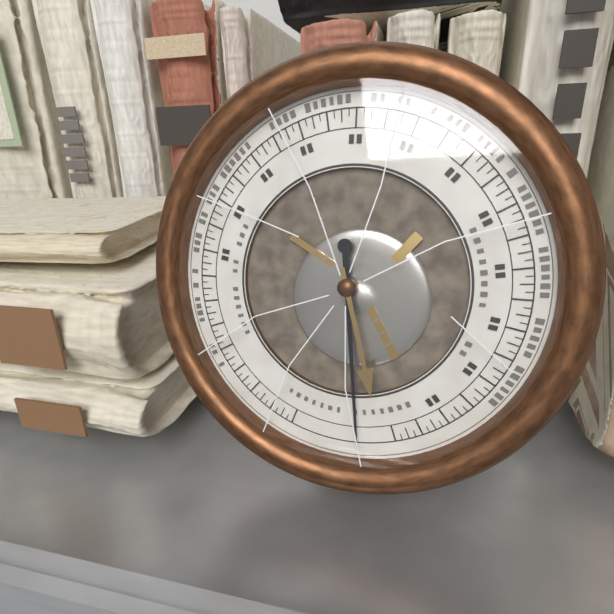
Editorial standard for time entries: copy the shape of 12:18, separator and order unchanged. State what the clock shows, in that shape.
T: 5:29
